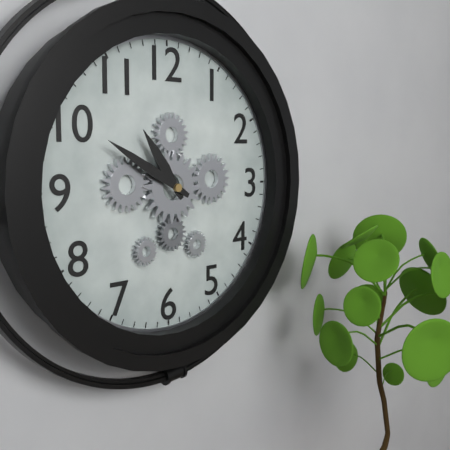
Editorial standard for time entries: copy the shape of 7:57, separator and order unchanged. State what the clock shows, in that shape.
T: 10:50
